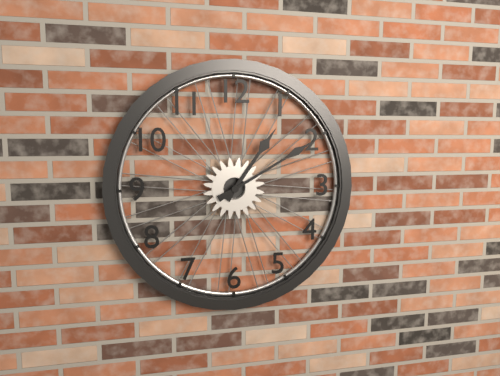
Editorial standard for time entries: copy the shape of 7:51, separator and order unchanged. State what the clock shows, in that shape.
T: 1:10
